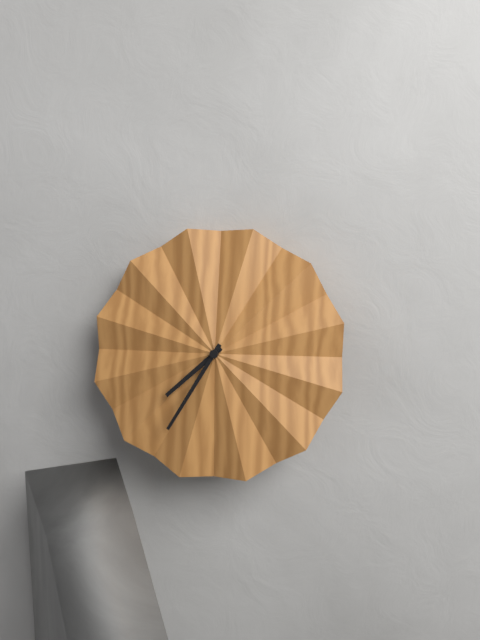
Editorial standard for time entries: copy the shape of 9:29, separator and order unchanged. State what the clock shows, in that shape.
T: 7:35
